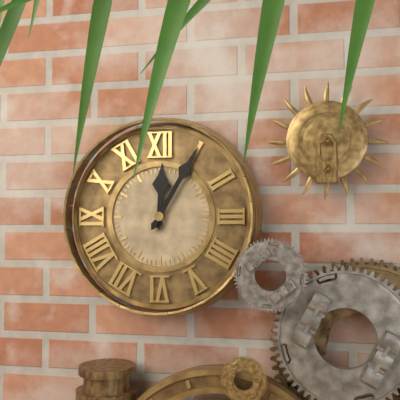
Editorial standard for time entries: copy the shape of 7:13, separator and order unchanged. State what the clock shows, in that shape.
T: 12:05
